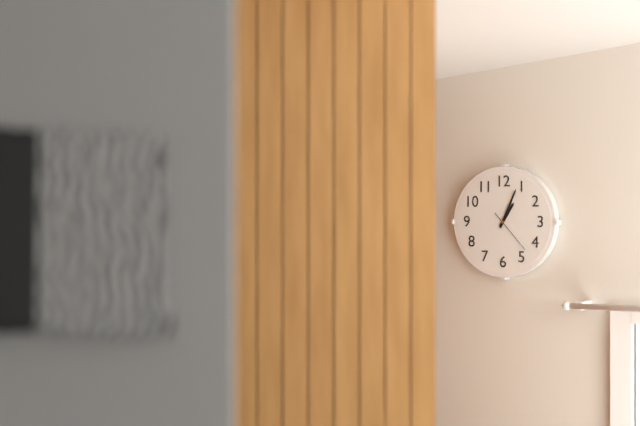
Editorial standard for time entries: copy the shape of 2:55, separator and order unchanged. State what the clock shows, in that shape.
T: 1:04
